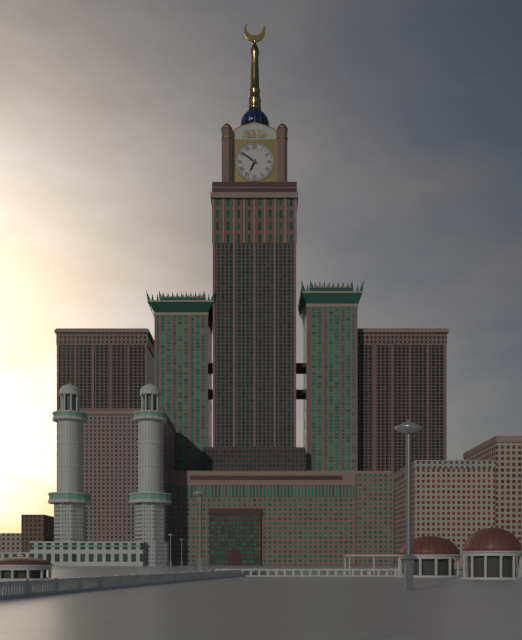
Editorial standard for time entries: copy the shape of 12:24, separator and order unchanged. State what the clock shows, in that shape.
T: 6:51
